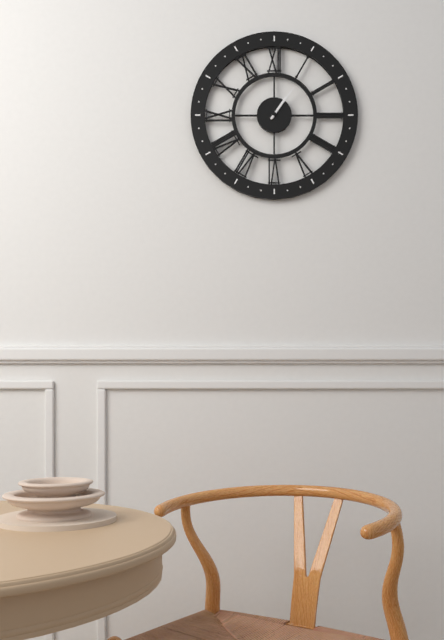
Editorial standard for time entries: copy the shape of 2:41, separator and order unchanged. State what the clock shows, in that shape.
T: 1:06
